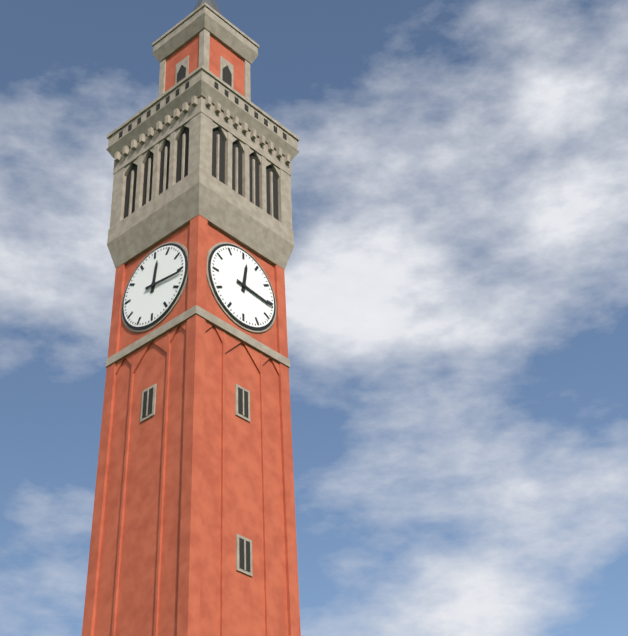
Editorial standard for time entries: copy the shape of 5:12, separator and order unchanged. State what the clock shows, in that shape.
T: 12:16
